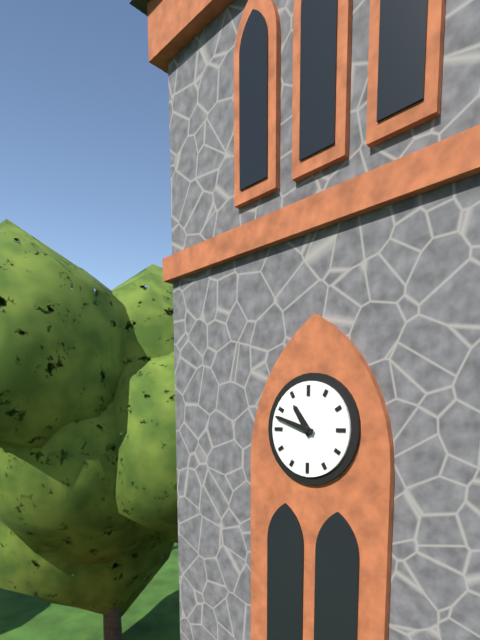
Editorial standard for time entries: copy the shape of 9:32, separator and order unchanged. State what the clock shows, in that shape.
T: 10:48
